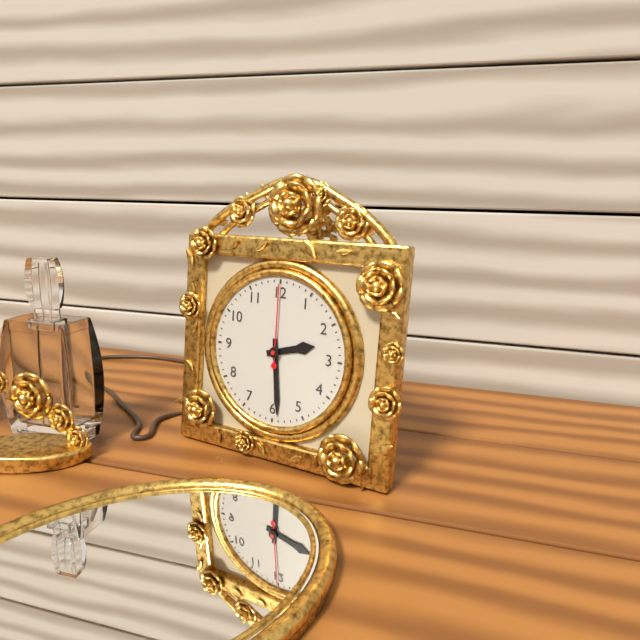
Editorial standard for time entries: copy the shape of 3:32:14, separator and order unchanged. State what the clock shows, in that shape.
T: 2:29:00
